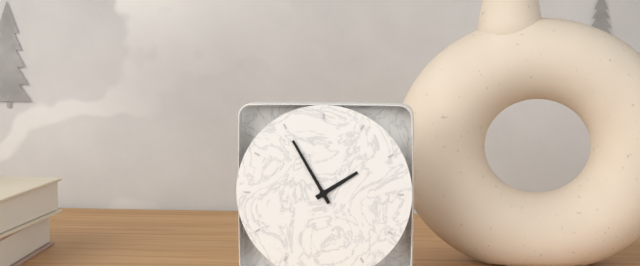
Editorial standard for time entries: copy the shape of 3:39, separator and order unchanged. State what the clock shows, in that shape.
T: 1:55
